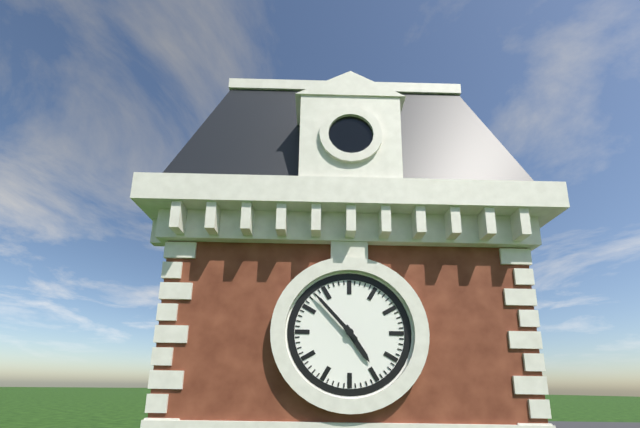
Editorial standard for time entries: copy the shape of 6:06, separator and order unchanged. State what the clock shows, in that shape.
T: 4:53
